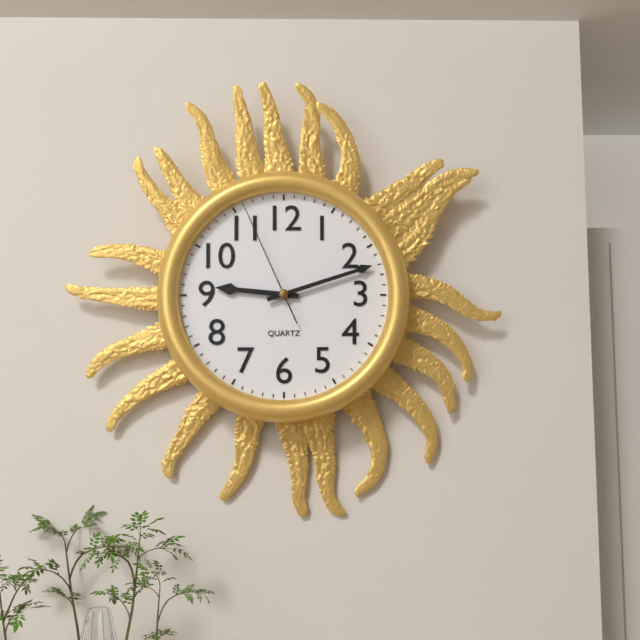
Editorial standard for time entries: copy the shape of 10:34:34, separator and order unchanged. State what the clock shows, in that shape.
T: 9:12:56
